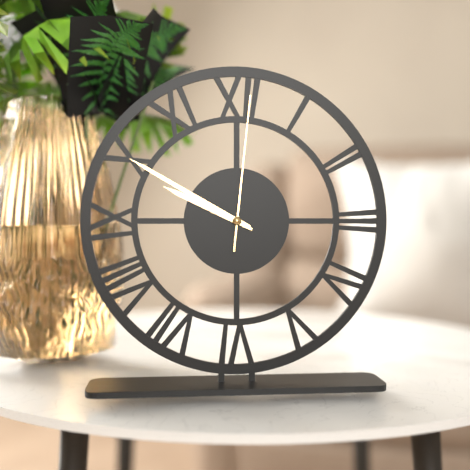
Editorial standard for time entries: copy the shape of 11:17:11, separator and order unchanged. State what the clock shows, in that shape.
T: 9:50:01
